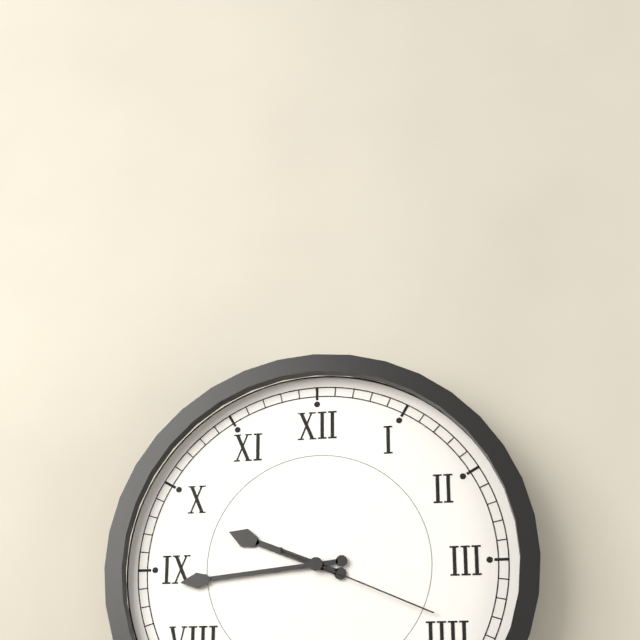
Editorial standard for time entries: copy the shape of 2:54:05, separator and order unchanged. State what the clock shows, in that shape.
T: 9:44:19
